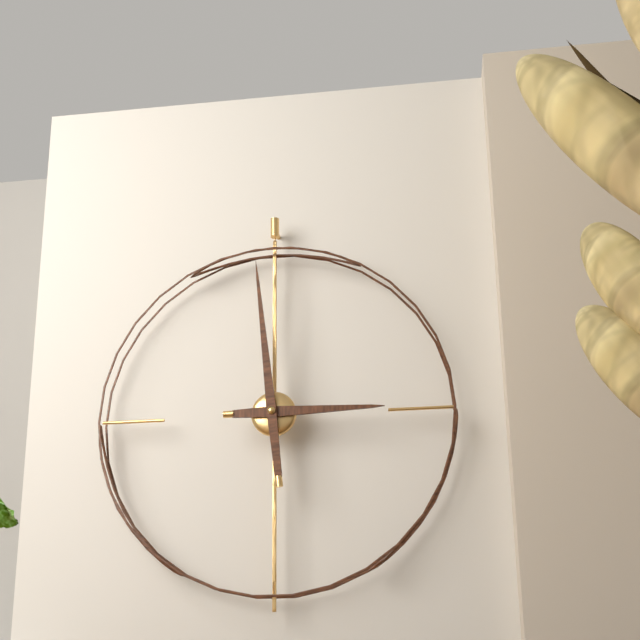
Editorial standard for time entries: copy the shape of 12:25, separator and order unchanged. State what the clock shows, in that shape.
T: 2:59
